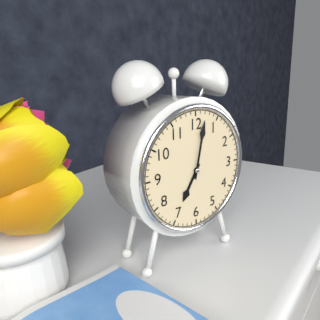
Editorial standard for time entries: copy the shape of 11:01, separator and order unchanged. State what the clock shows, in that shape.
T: 7:02
